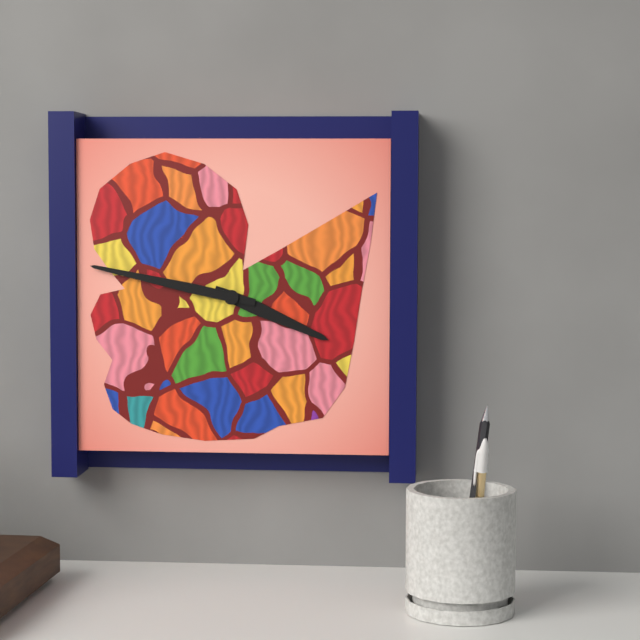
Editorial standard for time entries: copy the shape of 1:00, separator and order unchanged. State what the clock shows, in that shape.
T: 3:47
